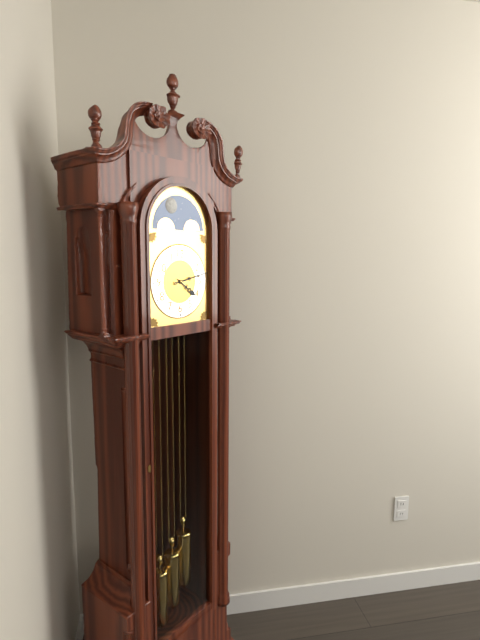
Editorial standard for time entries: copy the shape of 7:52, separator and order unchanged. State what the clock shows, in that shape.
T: 4:13
